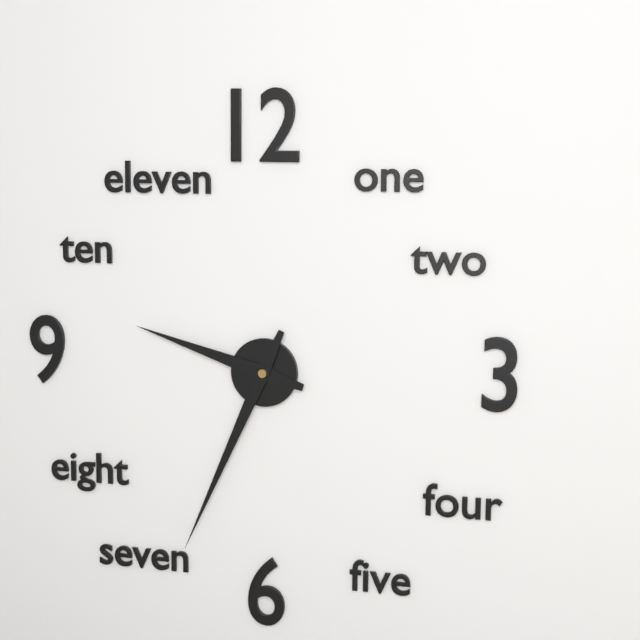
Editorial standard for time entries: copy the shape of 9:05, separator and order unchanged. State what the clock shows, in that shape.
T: 9:34
